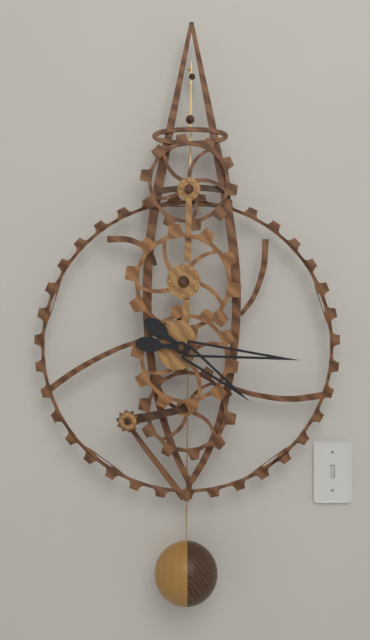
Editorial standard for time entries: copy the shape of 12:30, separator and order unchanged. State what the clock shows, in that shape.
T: 4:16
